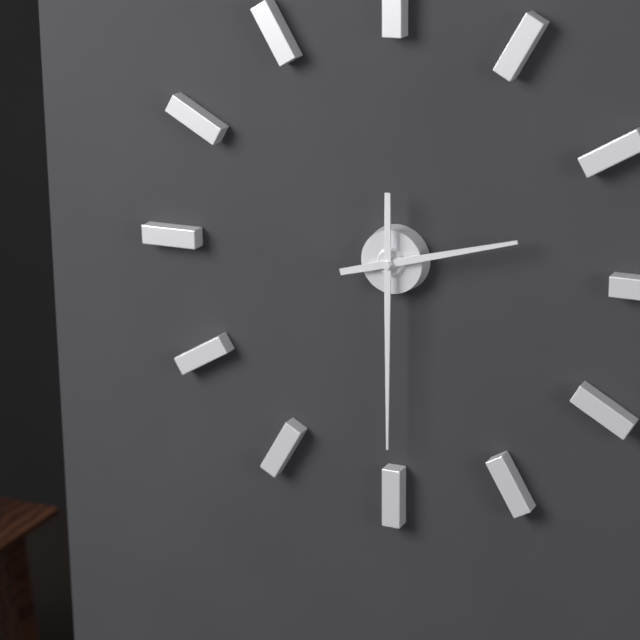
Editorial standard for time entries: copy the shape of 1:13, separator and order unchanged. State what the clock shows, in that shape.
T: 2:30
